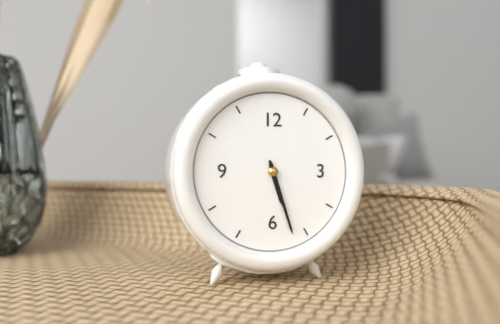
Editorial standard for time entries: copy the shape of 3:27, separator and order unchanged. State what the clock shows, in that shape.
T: 5:27
